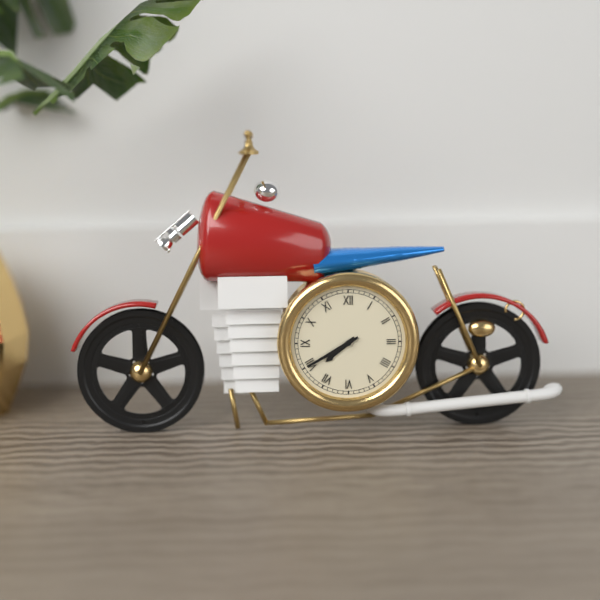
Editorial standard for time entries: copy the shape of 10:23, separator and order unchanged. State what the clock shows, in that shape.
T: 7:40
